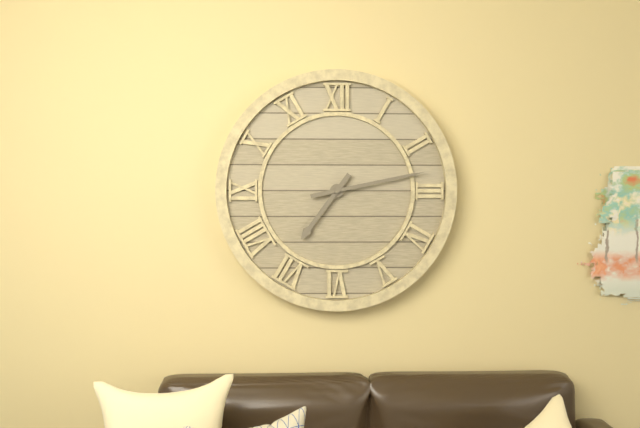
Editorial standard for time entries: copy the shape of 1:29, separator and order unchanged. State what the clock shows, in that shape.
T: 7:13
